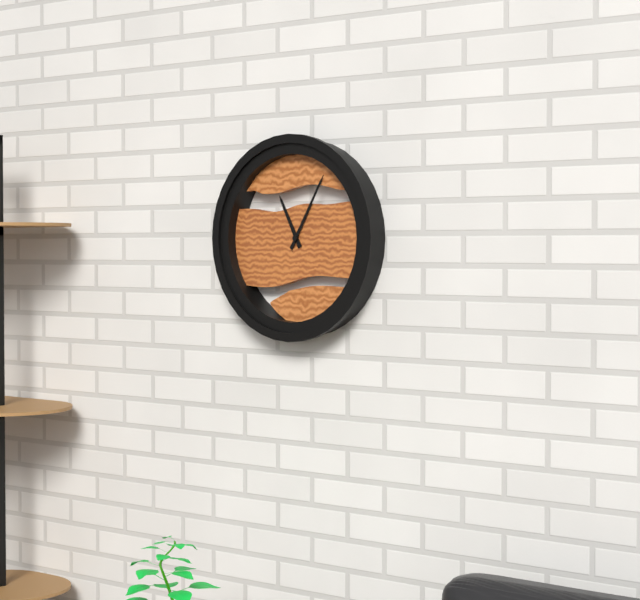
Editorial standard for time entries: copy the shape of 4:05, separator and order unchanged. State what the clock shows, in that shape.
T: 11:05
